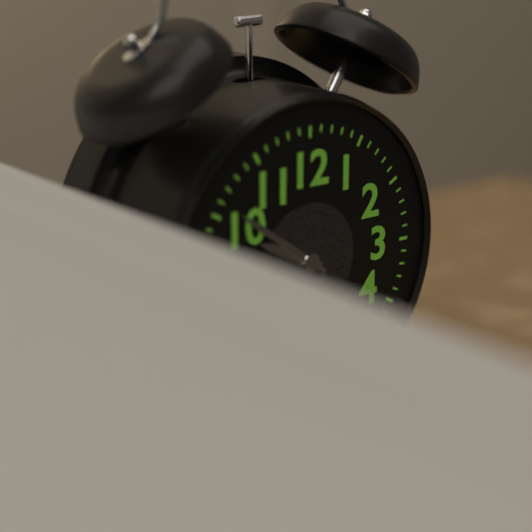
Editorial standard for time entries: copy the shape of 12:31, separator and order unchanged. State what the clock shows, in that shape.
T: 9:51
